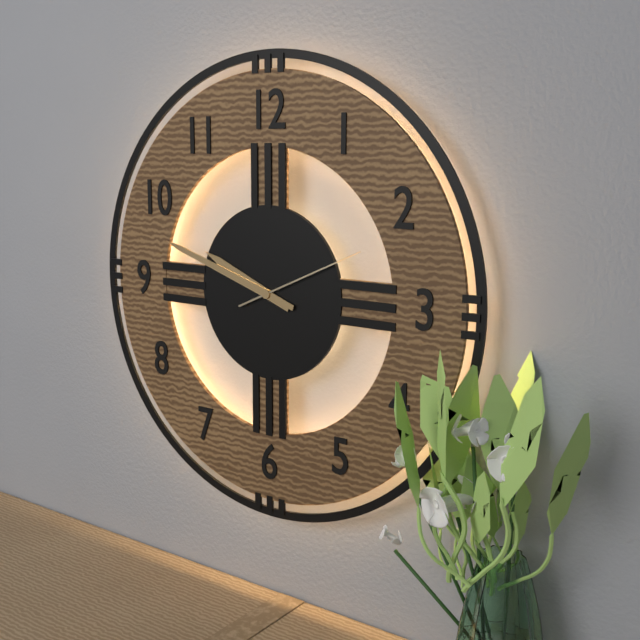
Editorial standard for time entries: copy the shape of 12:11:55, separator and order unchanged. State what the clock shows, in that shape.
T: 9:48:11
